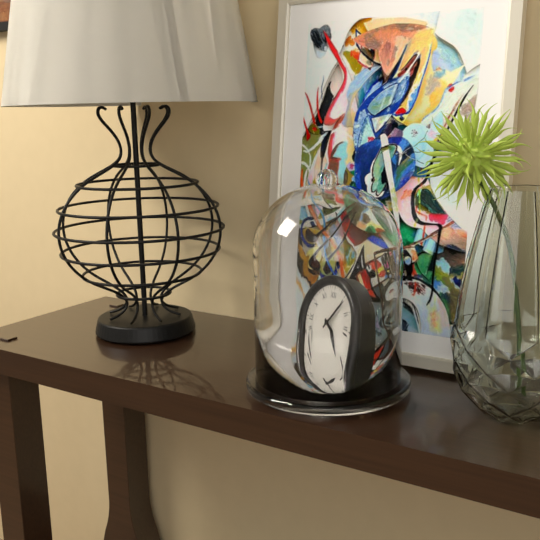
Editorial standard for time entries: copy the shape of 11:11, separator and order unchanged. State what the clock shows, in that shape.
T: 4:06
